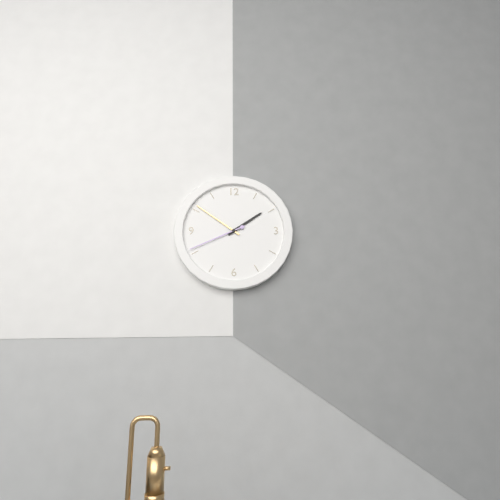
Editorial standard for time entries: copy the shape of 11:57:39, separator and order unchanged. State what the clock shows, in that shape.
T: 1:51:41
